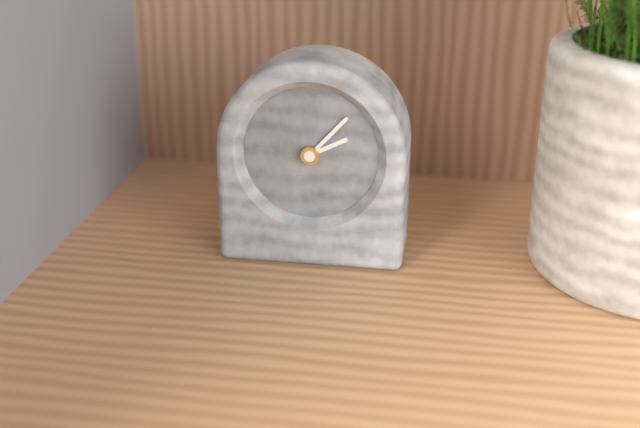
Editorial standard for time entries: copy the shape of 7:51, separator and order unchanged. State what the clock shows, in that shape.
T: 2:07
